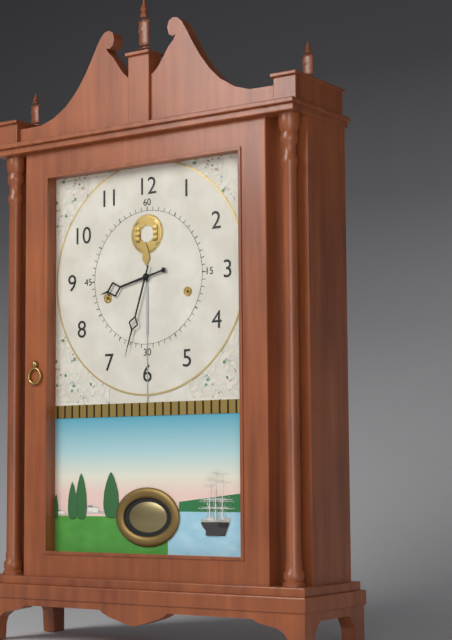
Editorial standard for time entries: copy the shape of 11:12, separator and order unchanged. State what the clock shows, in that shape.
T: 8:33
